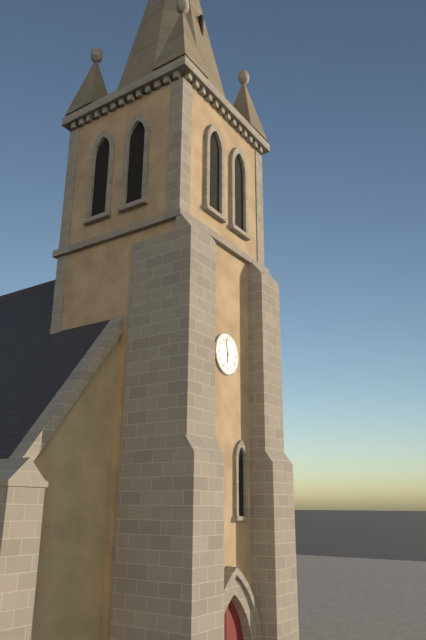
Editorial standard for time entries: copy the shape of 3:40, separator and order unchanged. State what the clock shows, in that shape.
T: 5:58
